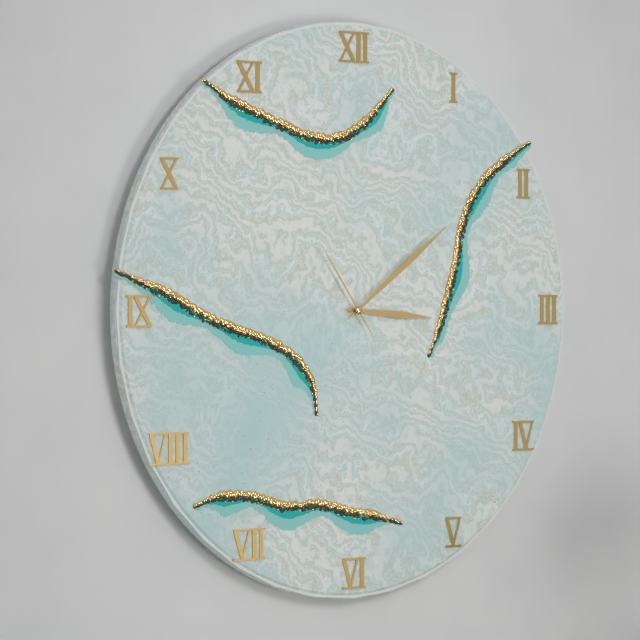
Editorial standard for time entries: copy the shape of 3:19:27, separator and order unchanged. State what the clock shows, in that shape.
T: 3:09:54
